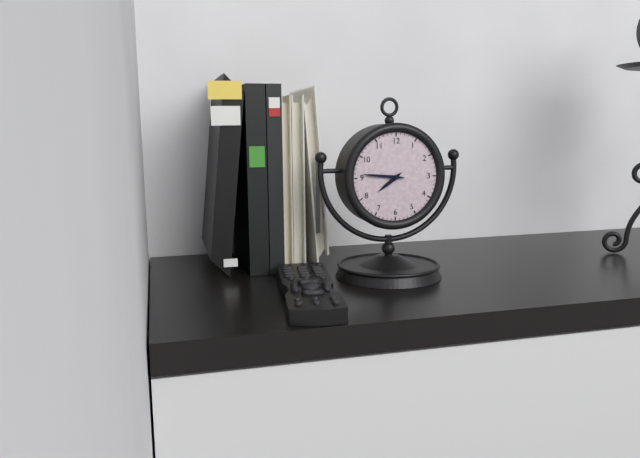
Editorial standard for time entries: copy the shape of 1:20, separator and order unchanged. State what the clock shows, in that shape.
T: 7:46
